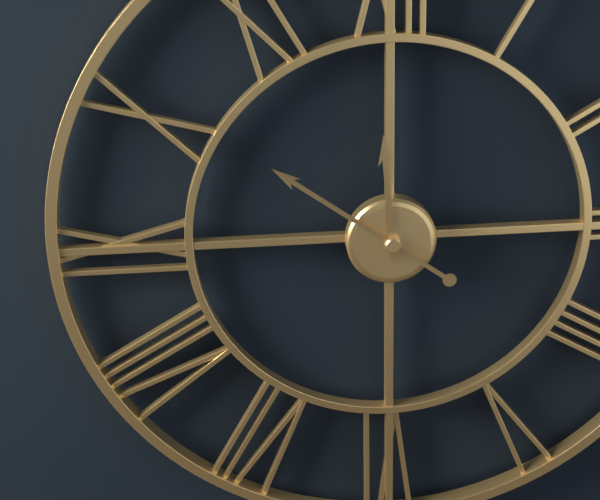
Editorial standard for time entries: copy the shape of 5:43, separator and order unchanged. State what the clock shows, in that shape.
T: 11:51
